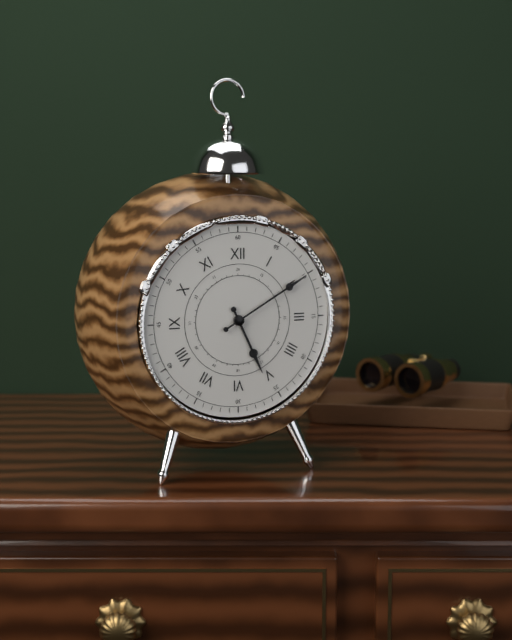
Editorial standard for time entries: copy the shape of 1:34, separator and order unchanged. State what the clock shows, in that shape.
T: 5:10
